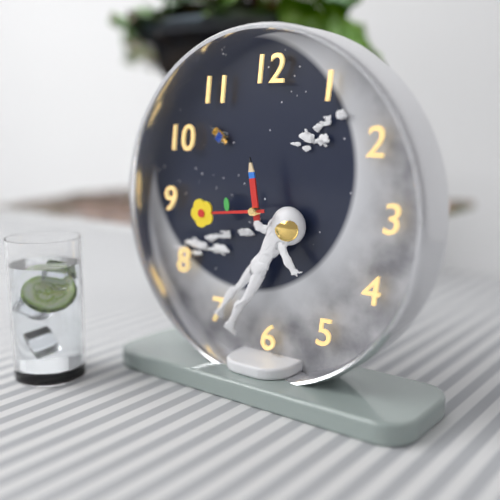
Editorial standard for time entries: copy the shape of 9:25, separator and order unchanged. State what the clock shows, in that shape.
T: 11:44
